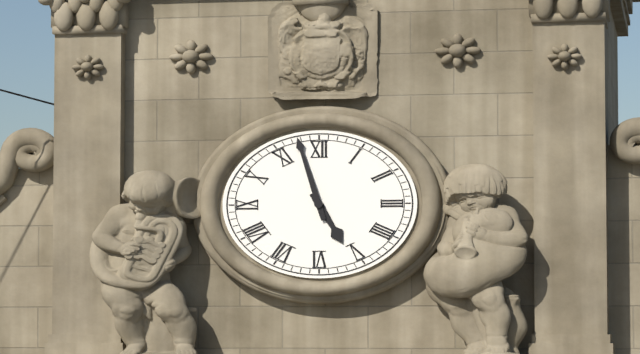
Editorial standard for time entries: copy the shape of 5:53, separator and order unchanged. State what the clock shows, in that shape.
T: 4:57
